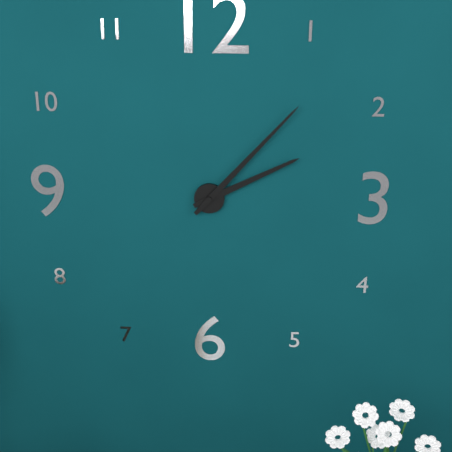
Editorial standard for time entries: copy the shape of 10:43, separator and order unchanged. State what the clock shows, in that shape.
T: 2:07
